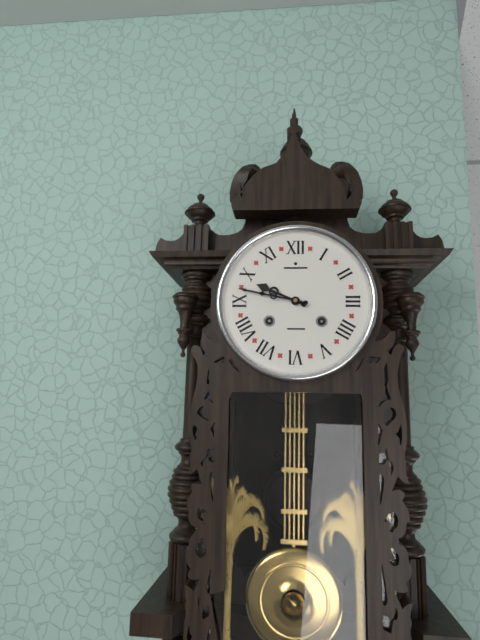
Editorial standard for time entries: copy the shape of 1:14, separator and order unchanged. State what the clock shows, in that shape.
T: 9:47
